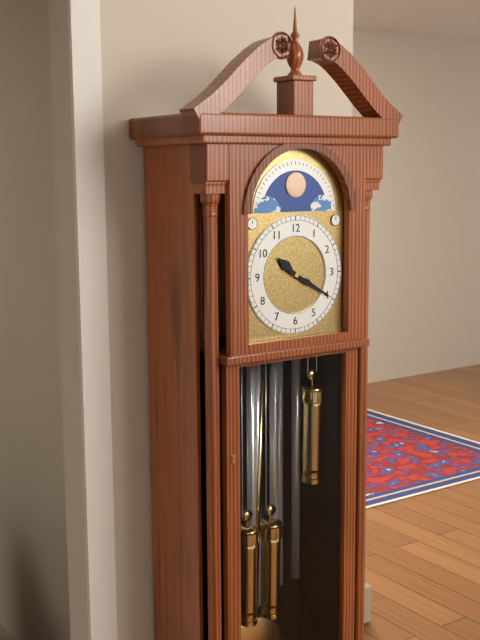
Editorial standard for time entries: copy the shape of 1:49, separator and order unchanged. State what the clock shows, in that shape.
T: 10:20
